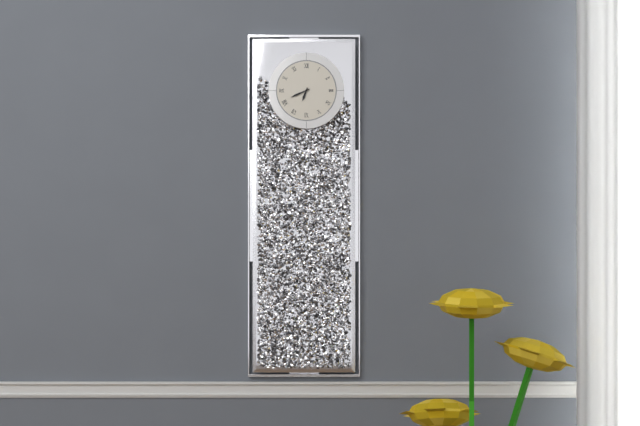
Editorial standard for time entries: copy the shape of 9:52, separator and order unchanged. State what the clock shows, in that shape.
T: 6:41
